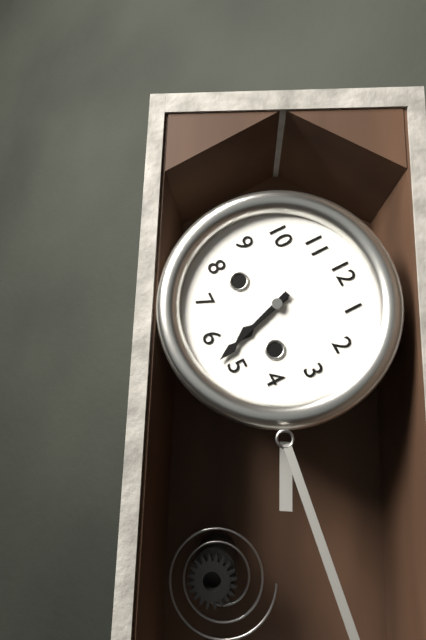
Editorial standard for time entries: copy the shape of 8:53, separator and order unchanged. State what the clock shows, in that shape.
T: 5:27
